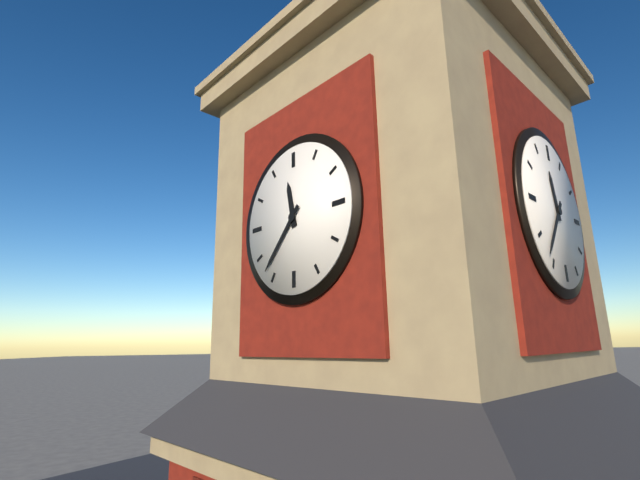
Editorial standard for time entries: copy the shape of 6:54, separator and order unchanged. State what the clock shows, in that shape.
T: 11:37
